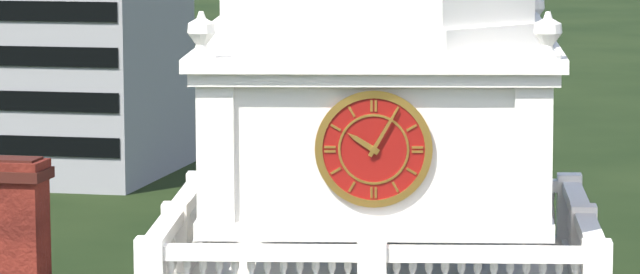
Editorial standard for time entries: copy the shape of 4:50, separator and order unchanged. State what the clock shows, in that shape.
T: 10:05
